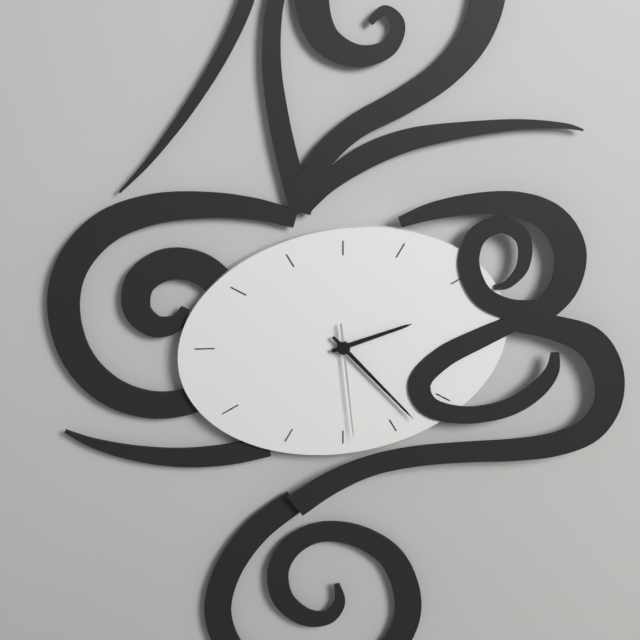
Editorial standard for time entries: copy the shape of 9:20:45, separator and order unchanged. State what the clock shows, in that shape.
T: 2:23:29
